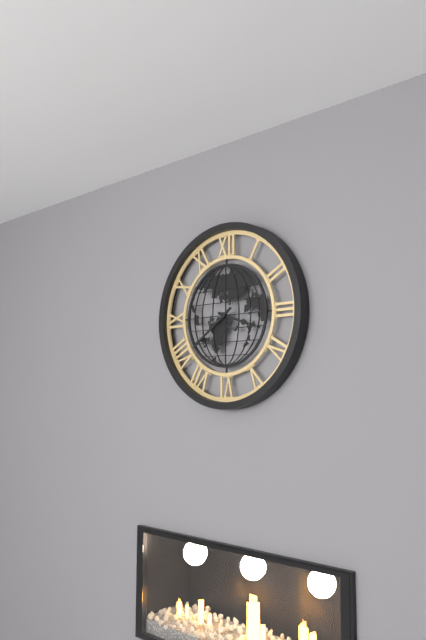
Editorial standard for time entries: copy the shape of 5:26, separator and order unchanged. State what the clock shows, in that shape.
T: 3:39
